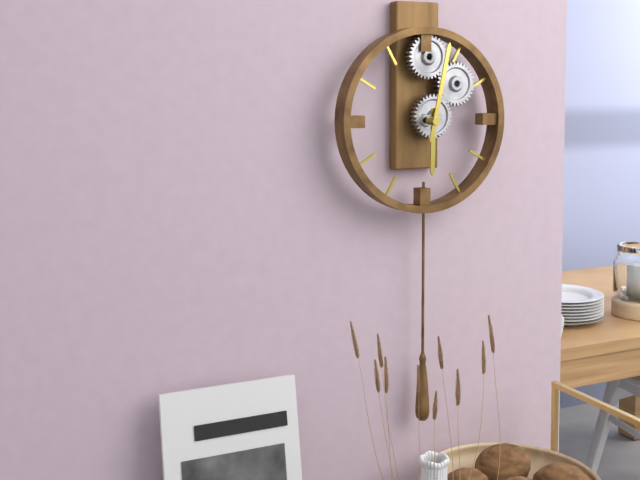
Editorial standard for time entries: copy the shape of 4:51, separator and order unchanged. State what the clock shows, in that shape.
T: 6:02
